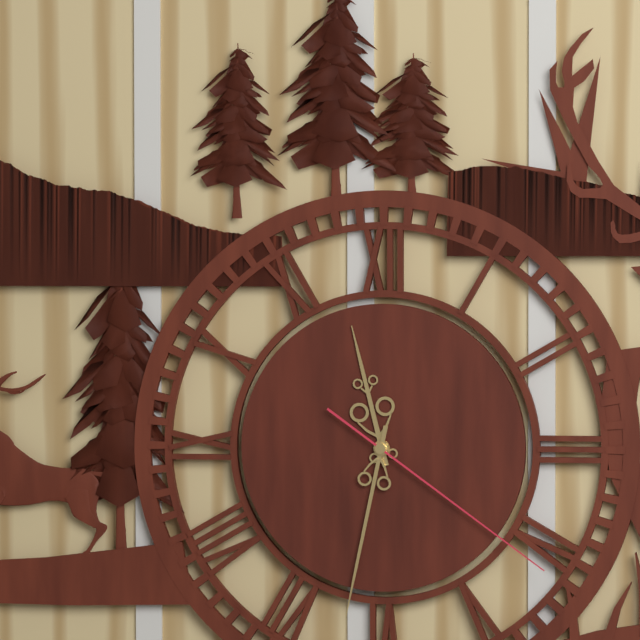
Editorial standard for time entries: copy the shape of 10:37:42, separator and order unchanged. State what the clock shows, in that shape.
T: 11:32:21
